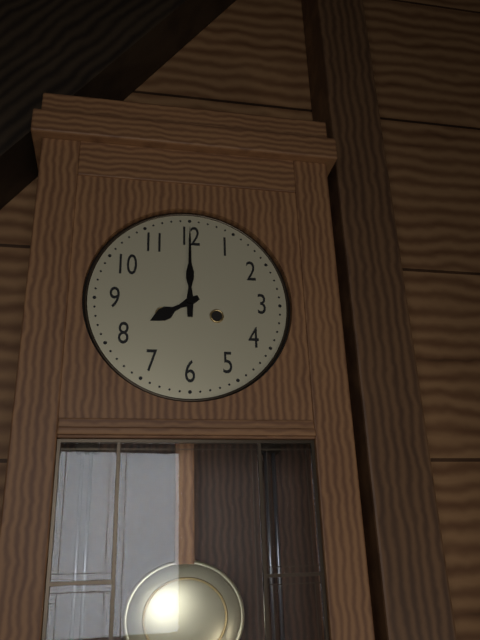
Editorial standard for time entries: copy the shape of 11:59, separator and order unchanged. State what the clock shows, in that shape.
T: 8:00
